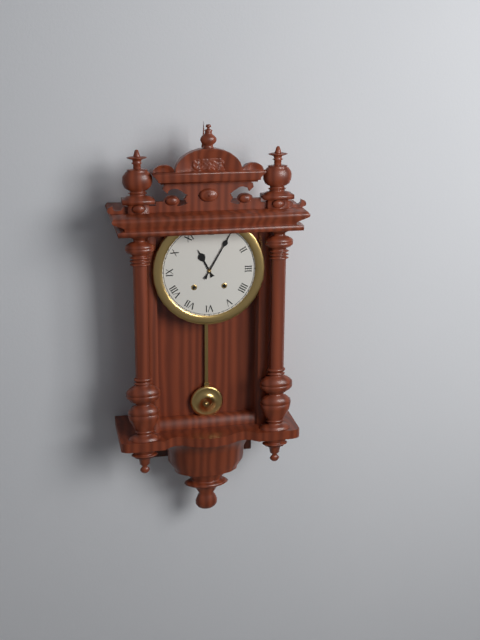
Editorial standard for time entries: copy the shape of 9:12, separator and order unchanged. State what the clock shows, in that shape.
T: 11:05
